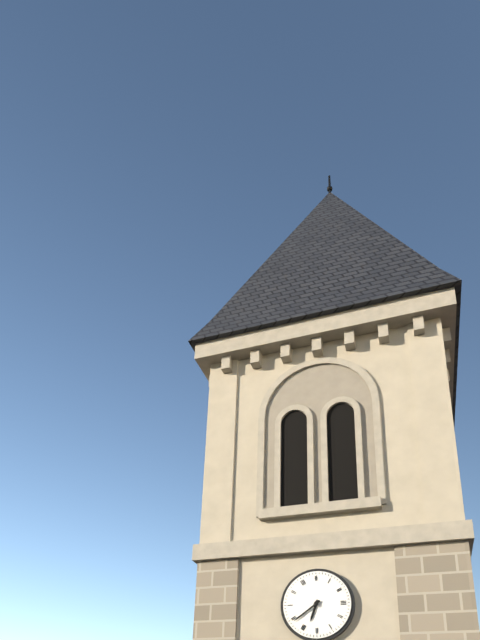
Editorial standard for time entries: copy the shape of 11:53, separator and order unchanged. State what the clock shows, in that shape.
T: 6:39
